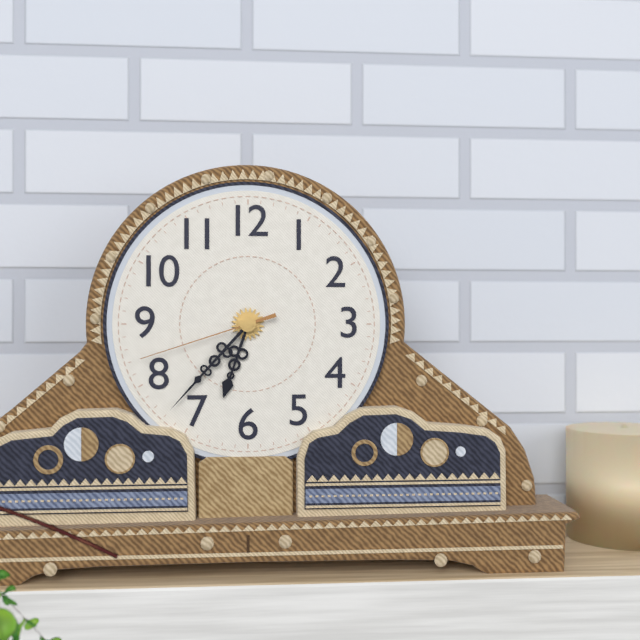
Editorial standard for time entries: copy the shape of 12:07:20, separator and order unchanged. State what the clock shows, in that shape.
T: 6:37:42
